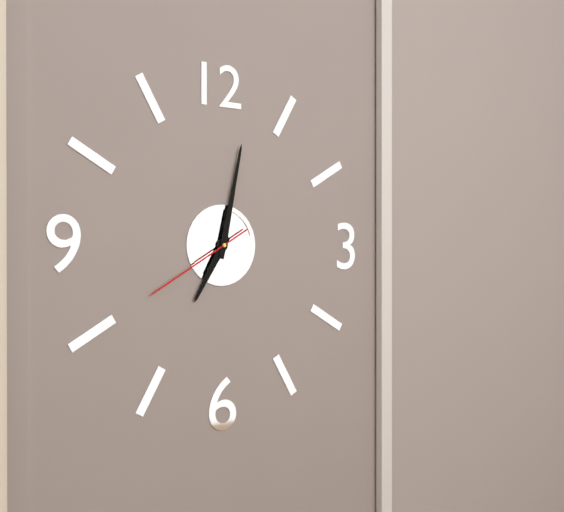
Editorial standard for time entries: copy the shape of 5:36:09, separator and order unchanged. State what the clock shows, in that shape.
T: 7:02:40
